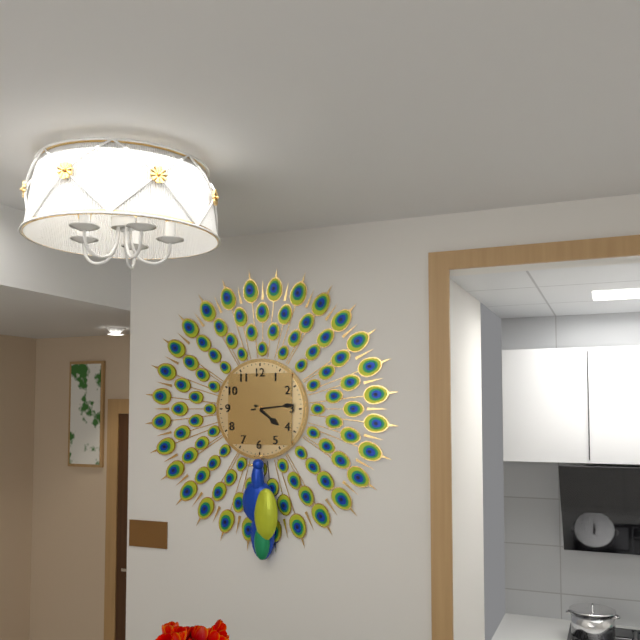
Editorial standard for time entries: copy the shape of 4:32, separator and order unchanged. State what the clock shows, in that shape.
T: 4:14
